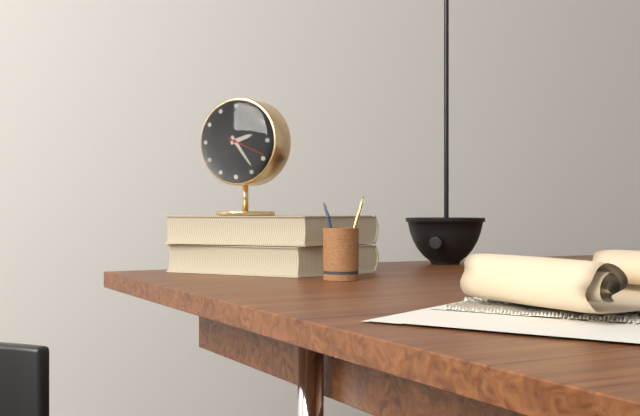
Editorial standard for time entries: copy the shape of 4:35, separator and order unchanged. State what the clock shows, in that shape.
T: 2:24
